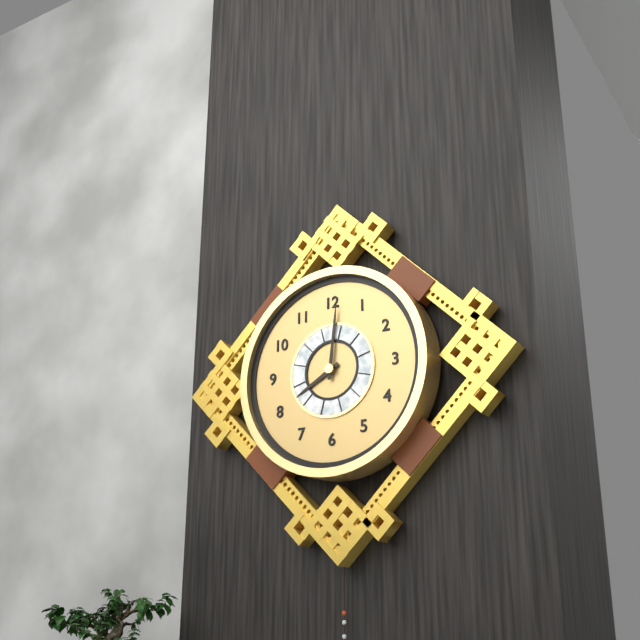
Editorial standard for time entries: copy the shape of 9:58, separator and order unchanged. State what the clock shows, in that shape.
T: 8:01
